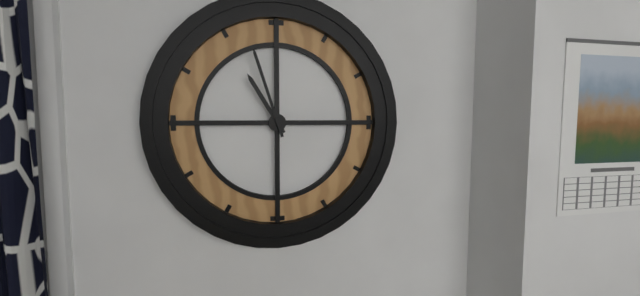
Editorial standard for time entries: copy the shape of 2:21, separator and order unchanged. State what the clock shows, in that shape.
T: 10:57
